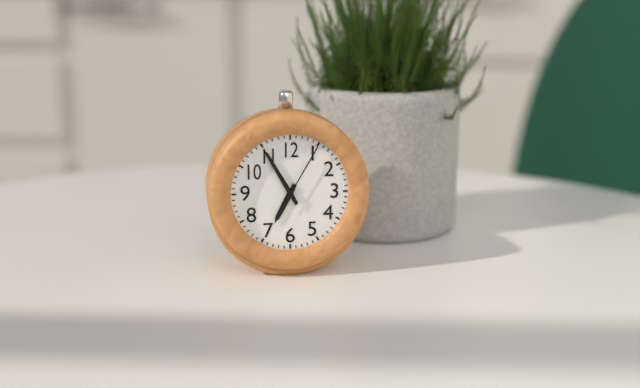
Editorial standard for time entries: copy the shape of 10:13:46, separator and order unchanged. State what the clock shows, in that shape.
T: 6:55:05
